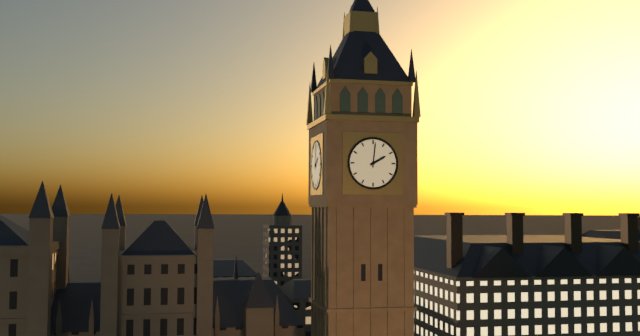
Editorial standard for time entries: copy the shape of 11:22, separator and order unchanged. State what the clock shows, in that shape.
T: 2:01
